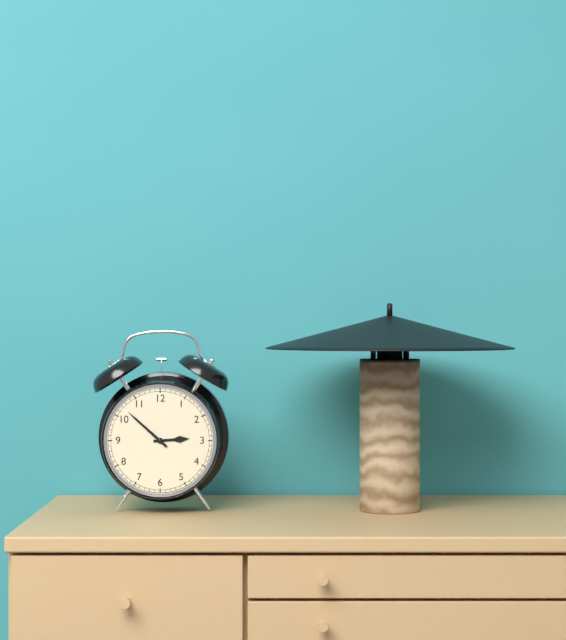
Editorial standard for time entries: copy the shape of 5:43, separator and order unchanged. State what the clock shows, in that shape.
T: 2:52
